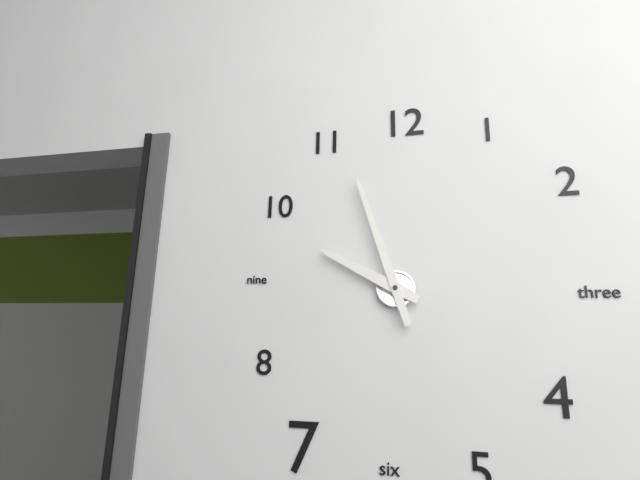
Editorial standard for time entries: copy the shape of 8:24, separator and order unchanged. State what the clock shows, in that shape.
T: 9:57
